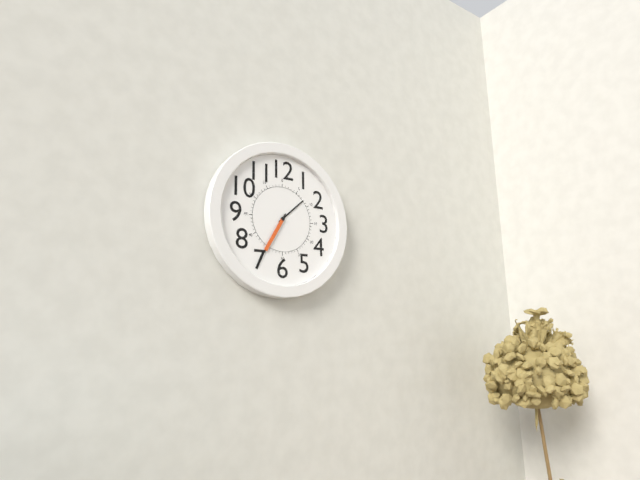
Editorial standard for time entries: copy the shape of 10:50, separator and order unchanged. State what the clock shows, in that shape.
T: 1:35
